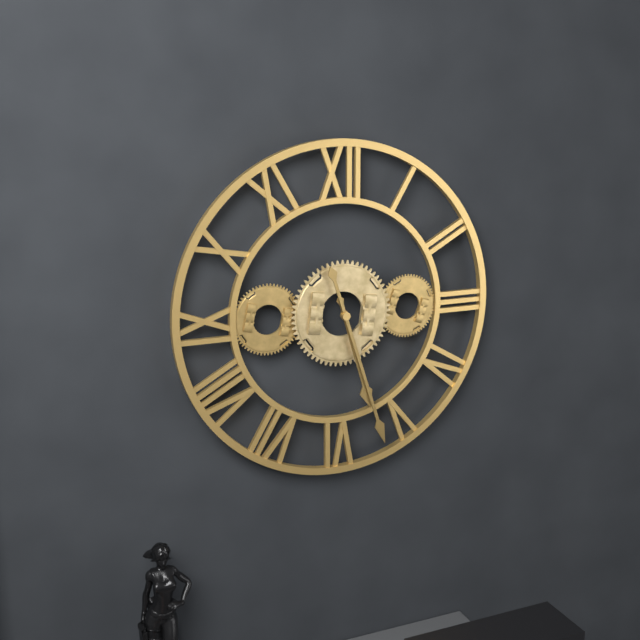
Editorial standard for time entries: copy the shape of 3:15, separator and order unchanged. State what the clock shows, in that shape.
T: 5:27
